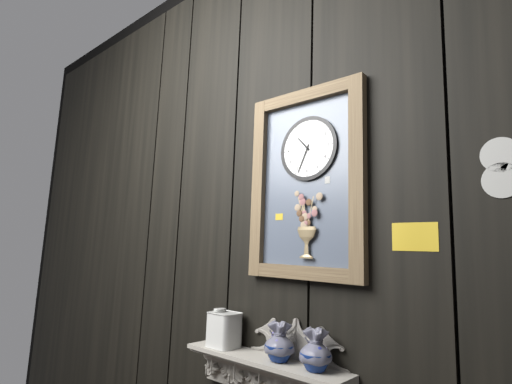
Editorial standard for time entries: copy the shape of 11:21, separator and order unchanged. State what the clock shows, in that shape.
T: 10:34
